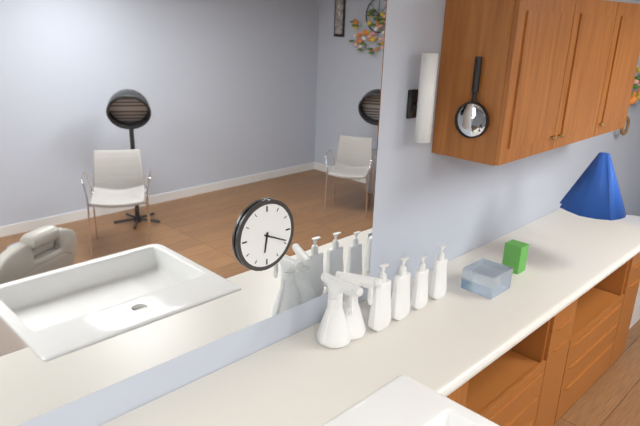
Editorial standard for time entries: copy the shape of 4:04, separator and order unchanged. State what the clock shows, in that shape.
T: 6:19
